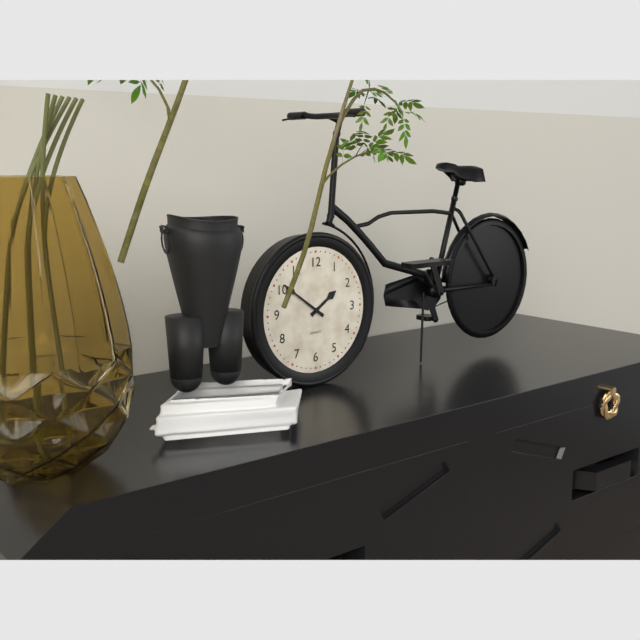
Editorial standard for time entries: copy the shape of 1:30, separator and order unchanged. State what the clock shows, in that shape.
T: 1:51
